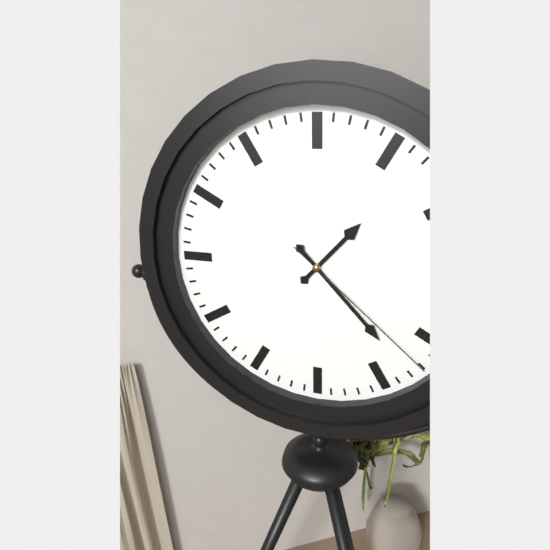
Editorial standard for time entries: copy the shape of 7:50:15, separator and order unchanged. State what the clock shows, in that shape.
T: 1:23:22
